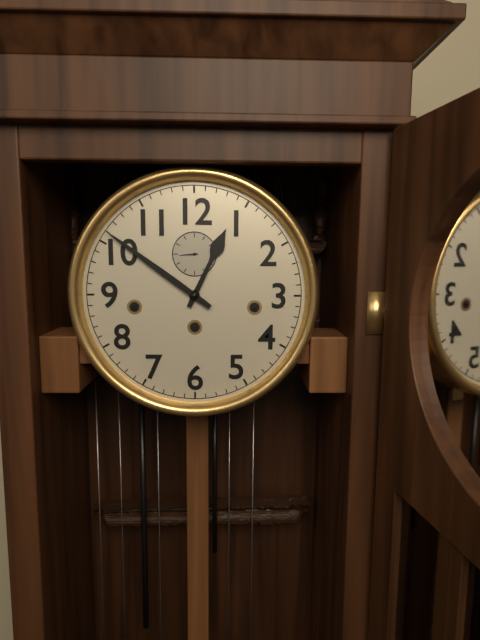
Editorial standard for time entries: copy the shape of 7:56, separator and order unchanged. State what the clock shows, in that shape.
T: 12:51
